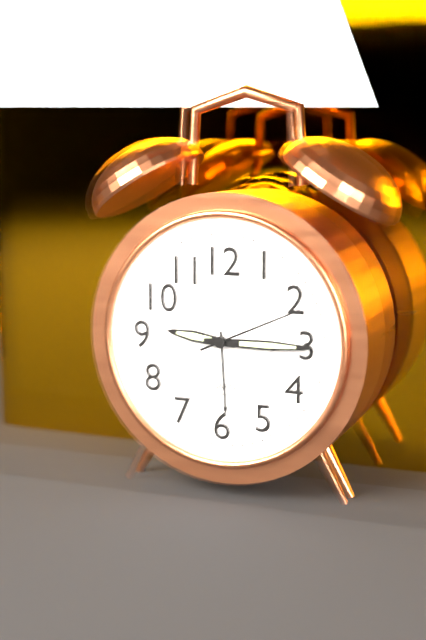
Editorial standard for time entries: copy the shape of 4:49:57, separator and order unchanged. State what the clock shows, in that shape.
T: 9:15:11
